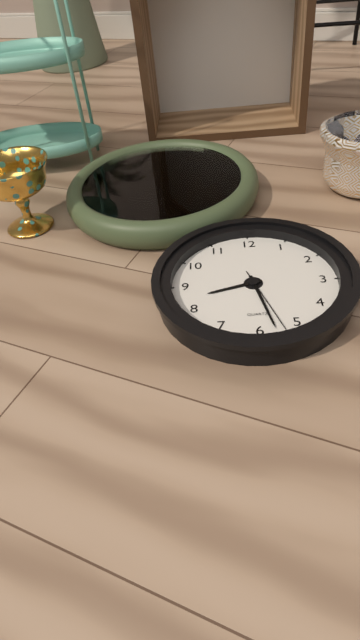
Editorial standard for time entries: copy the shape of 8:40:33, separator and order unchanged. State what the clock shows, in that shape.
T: 8:28:27
